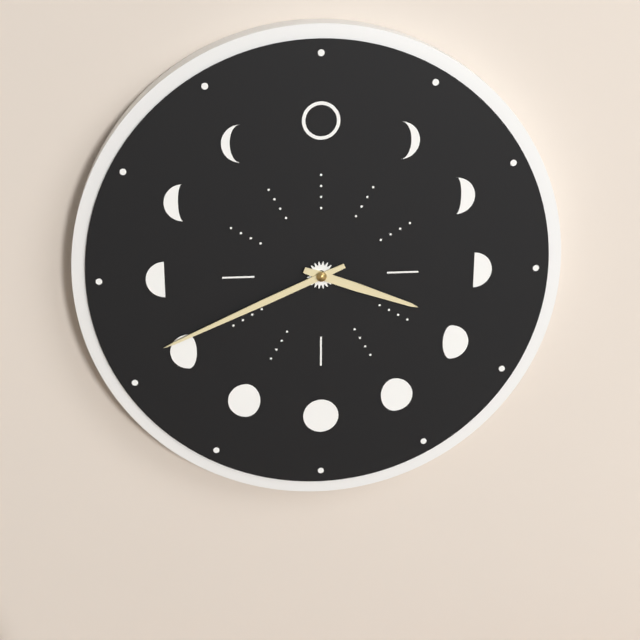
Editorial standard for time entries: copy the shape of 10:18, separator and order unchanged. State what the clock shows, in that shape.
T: 3:41
